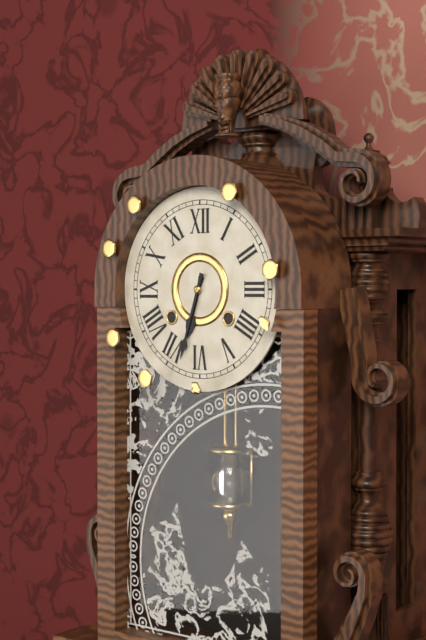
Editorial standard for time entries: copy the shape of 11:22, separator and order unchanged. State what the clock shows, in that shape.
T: 6:33
